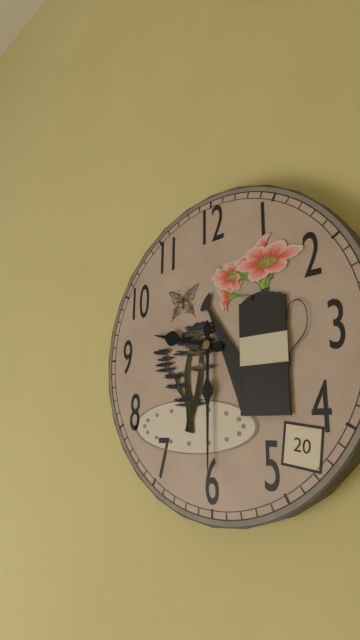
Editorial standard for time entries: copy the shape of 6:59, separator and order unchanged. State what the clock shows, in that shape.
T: 9:30
